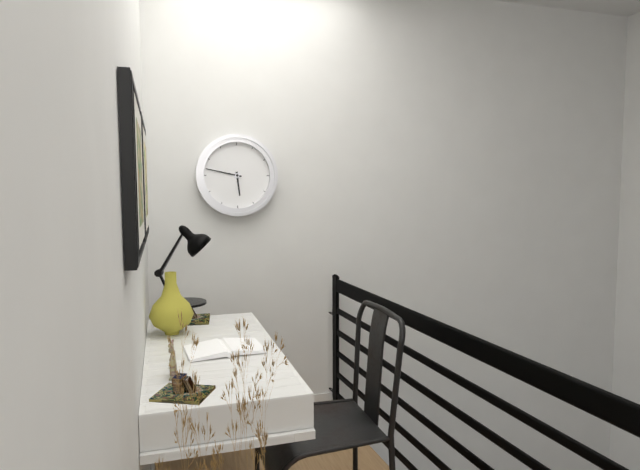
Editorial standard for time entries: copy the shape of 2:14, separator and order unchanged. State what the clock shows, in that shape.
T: 5:47
